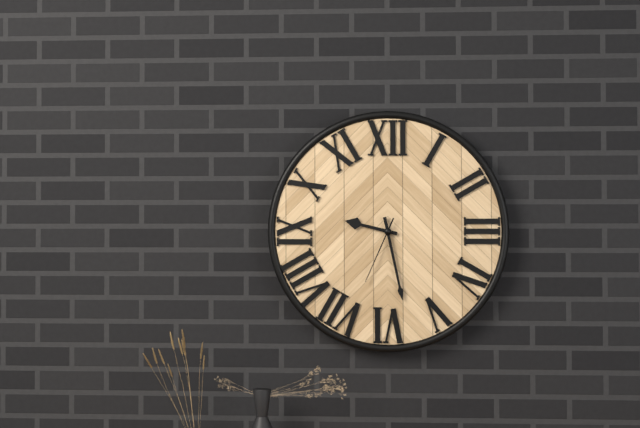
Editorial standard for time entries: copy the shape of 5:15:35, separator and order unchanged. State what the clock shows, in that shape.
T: 9:28:34
